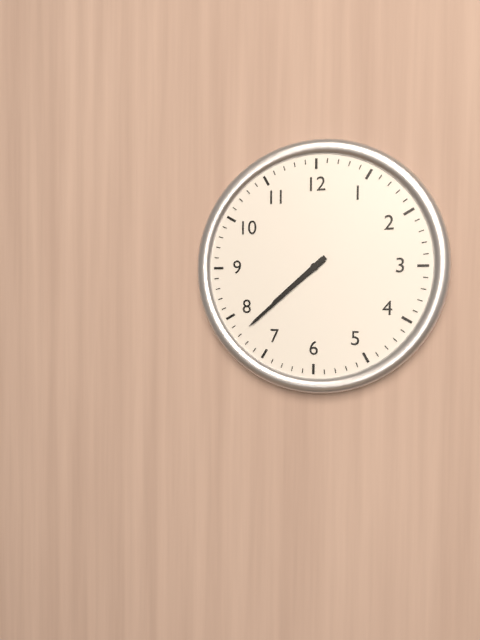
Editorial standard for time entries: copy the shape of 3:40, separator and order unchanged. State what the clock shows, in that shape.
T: 7:38
